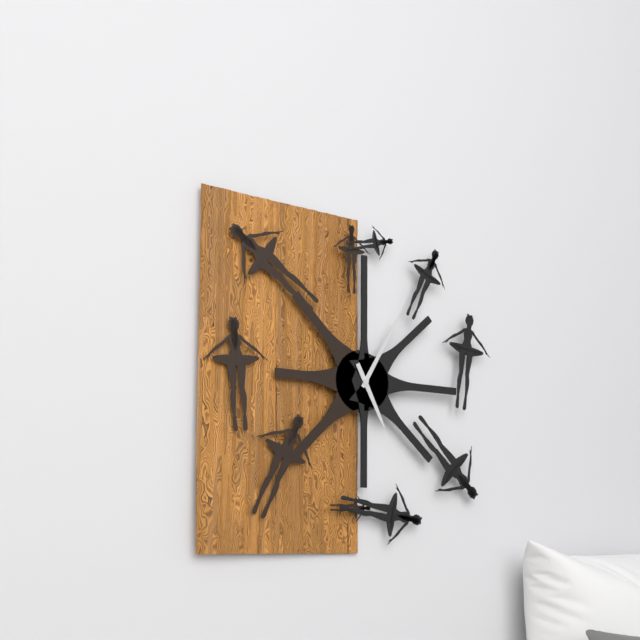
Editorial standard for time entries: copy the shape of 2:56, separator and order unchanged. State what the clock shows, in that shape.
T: 5:05
